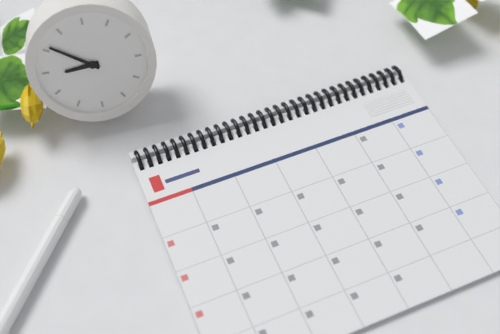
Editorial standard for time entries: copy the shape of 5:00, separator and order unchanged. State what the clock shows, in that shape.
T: 8:51
